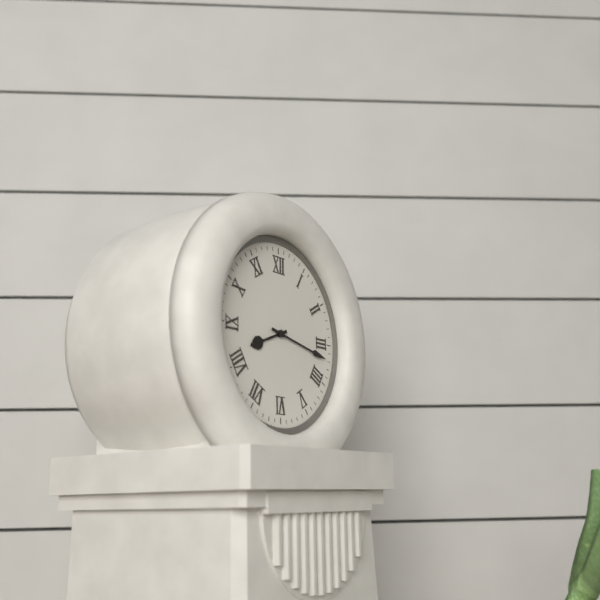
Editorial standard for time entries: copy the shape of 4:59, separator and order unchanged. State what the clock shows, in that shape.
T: 8:17
